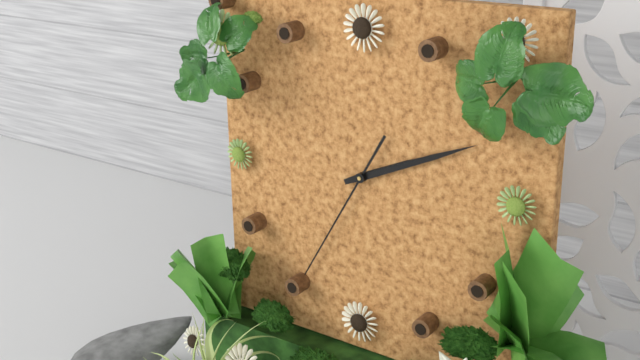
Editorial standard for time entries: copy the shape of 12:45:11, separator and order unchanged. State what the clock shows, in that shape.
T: 2:11:35
